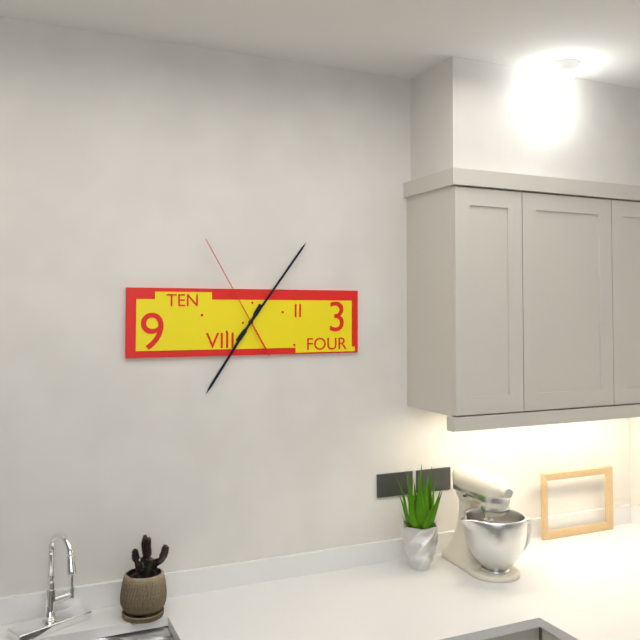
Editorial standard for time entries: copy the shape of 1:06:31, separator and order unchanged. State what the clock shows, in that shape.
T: 7:06:55
